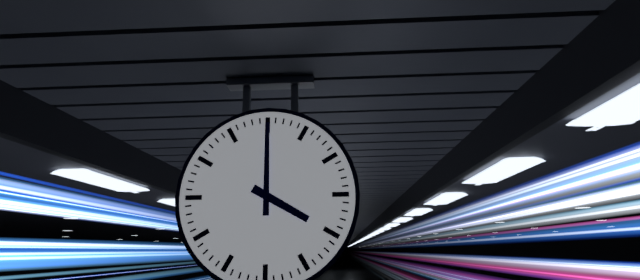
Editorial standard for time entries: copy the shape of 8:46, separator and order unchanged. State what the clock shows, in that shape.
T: 4:00
